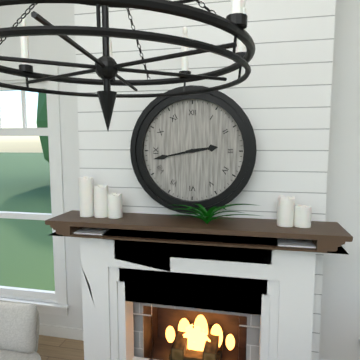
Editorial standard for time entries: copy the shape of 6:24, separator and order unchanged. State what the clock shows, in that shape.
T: 2:43
